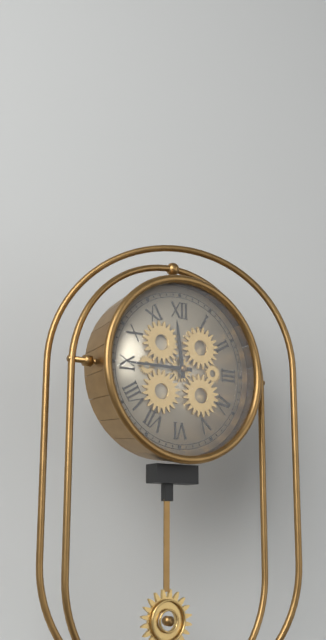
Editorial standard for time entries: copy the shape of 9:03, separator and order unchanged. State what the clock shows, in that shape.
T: 11:45
